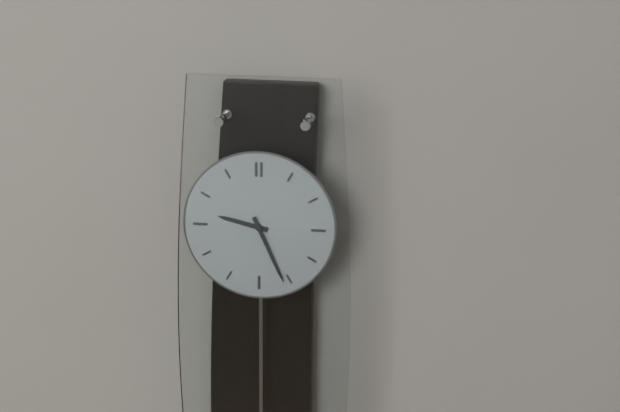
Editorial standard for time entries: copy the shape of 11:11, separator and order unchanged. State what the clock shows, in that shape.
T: 9:26
